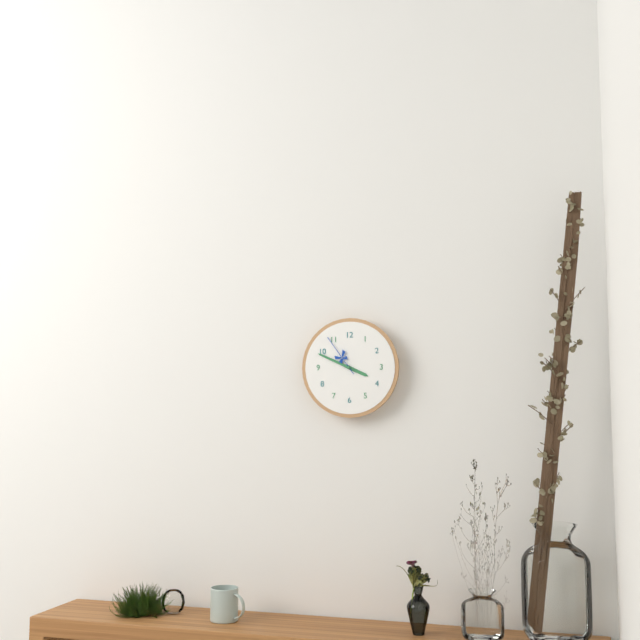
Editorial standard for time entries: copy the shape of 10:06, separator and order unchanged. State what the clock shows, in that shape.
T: 3:49
